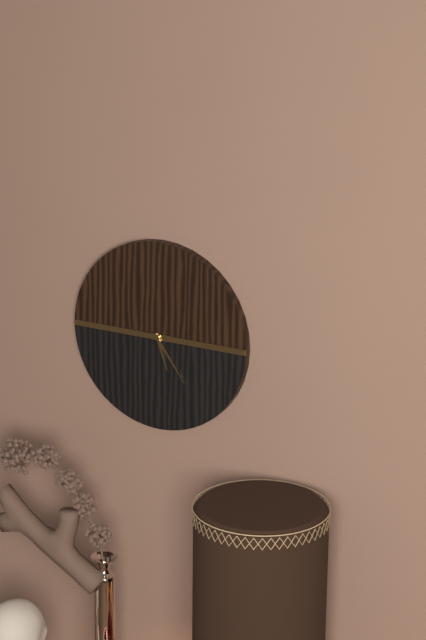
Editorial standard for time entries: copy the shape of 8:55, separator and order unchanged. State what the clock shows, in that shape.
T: 5:24
